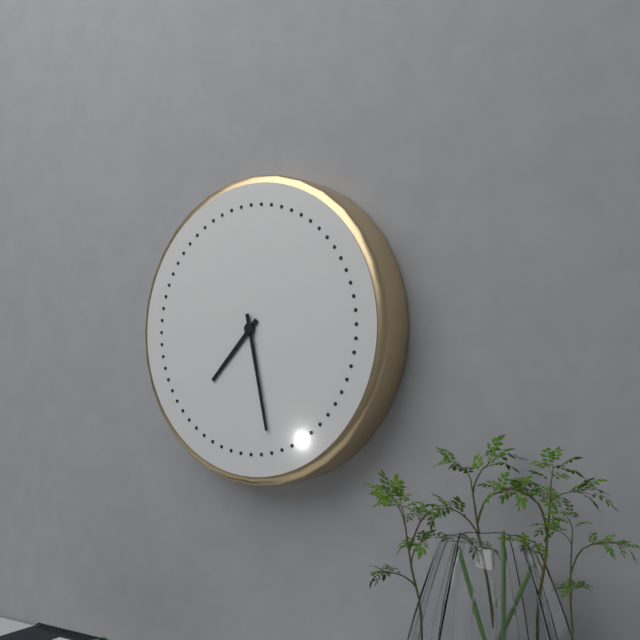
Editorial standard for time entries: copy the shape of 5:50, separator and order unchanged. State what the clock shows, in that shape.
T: 7:28
